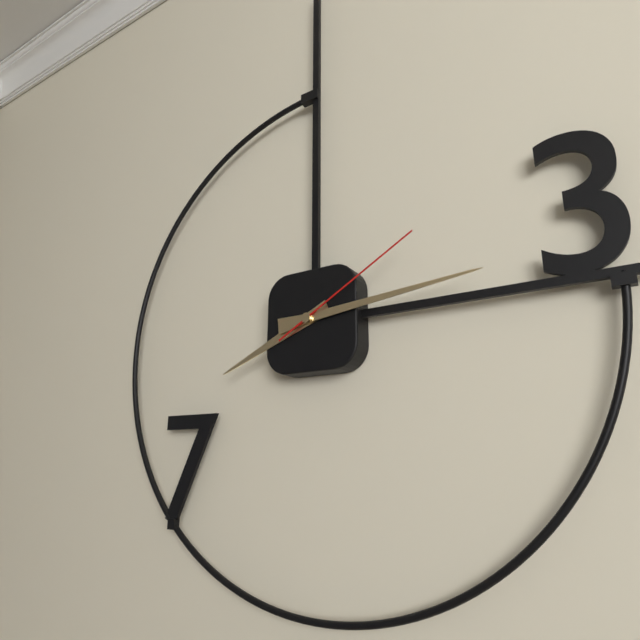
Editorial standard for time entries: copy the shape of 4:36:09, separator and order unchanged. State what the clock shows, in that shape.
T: 8:14:10
